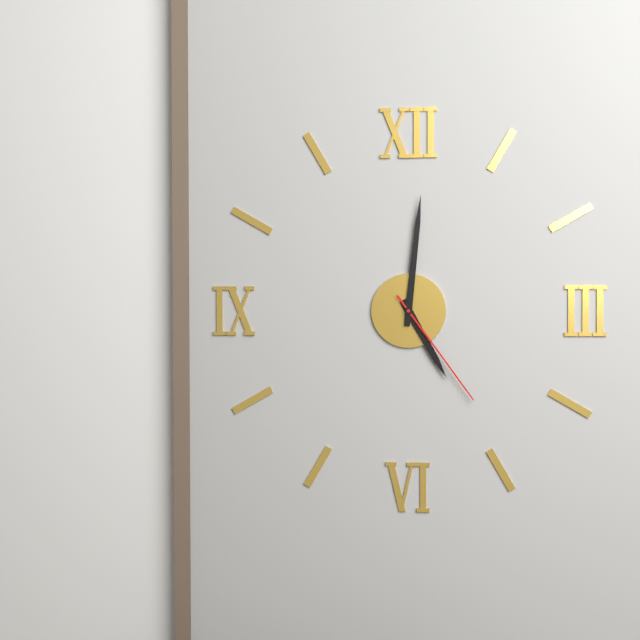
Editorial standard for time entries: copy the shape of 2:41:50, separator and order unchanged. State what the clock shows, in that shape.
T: 5:01:24
